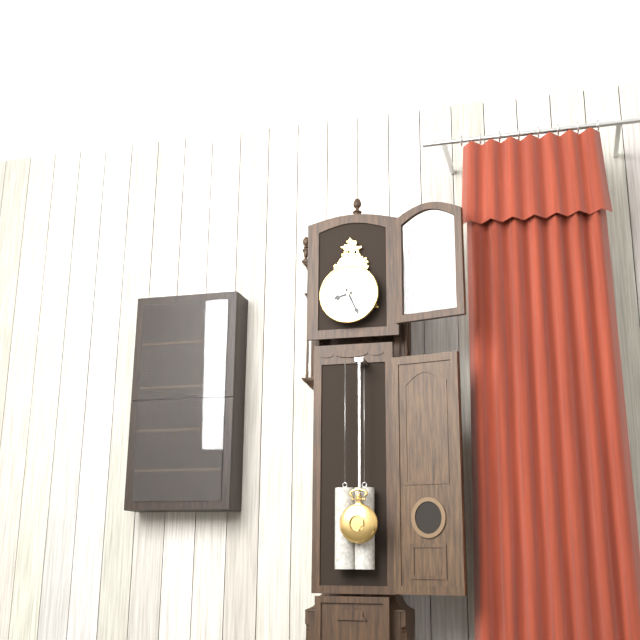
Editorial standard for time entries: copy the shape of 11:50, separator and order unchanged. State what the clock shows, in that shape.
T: 8:26
